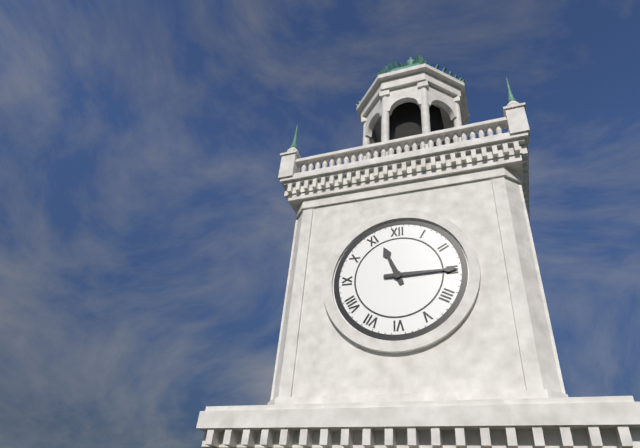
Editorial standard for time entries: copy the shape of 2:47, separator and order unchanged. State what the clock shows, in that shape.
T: 11:15
